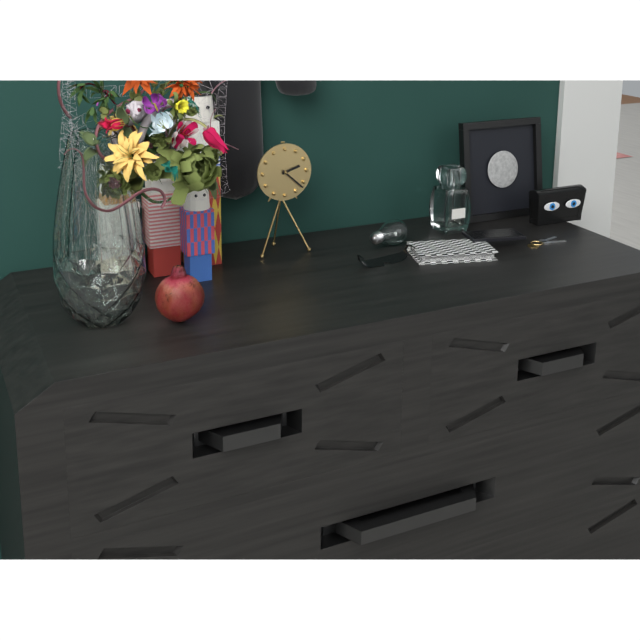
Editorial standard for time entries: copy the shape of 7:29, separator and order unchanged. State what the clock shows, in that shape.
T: 2:22
